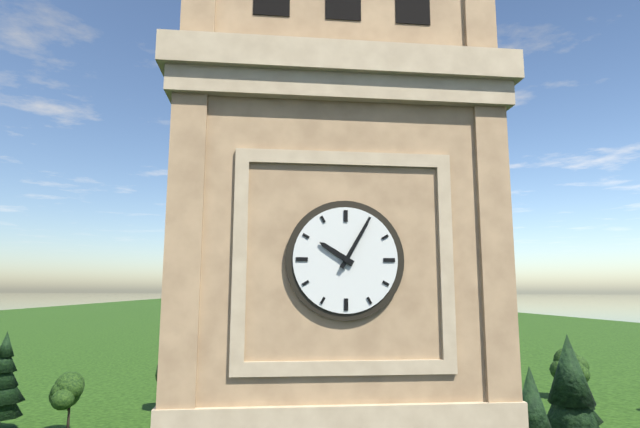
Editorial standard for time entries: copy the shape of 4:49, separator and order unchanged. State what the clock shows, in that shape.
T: 10:05
